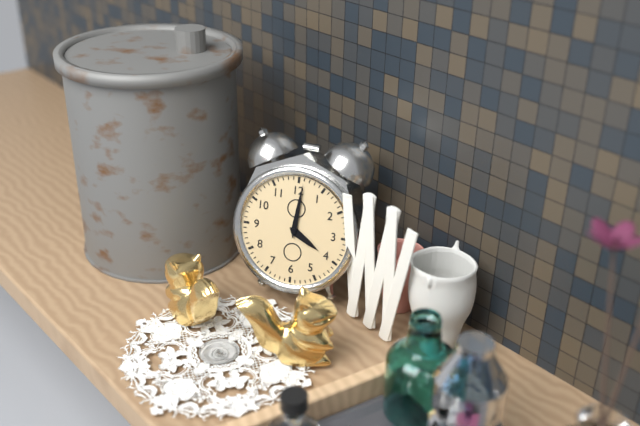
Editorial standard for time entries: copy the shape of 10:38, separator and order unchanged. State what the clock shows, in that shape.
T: 4:01
